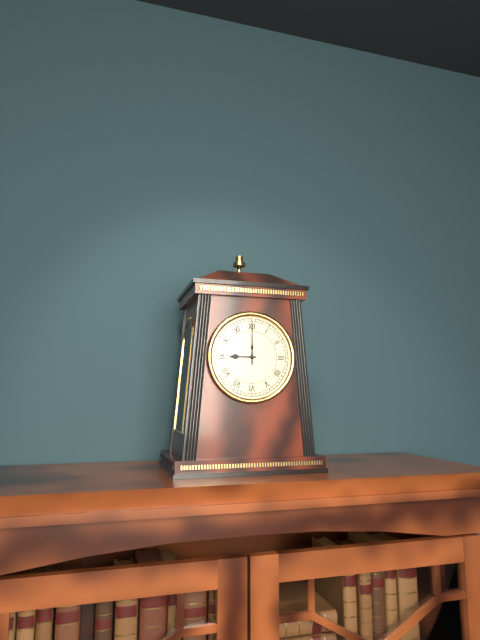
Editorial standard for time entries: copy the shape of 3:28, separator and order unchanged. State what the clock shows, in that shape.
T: 9:00
